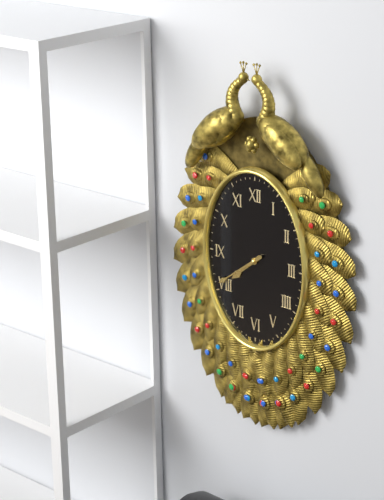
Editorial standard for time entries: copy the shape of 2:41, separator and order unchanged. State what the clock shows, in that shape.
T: 7:39
